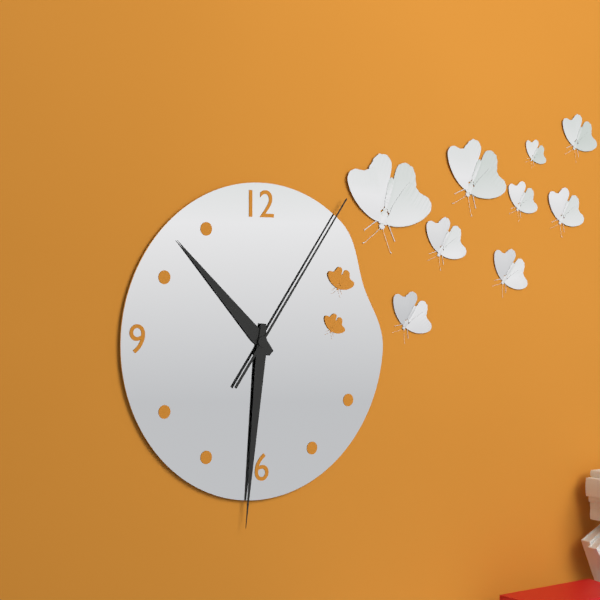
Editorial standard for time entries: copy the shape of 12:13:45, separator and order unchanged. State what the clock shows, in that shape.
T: 10:31:06
